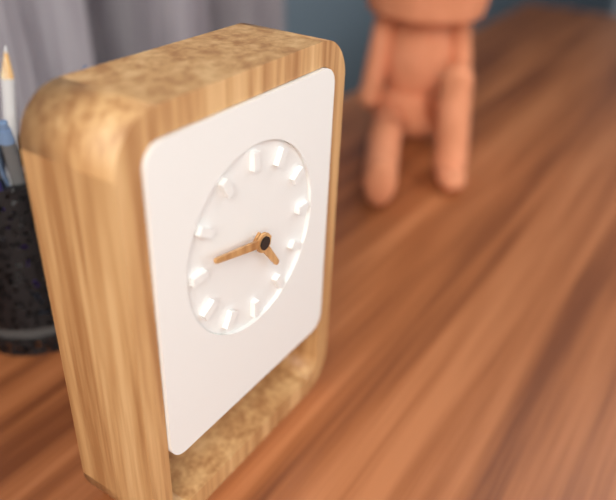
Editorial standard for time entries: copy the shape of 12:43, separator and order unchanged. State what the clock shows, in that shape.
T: 4:47
